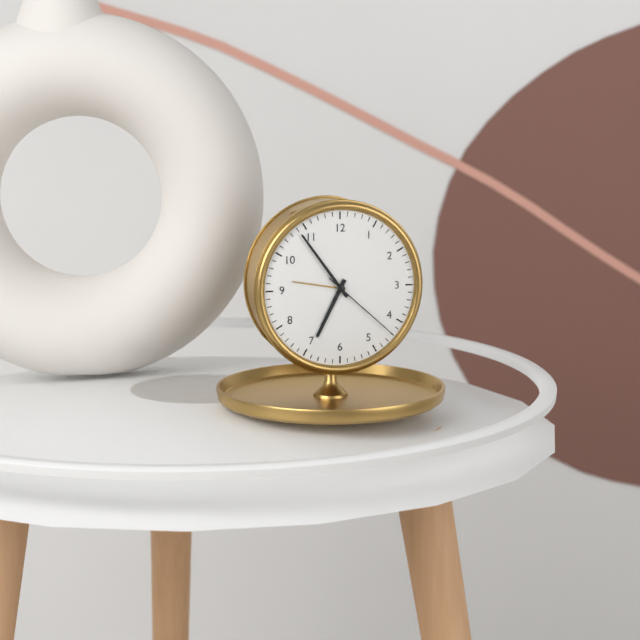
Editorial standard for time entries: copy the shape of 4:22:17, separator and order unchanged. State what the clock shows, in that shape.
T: 6:54:22
